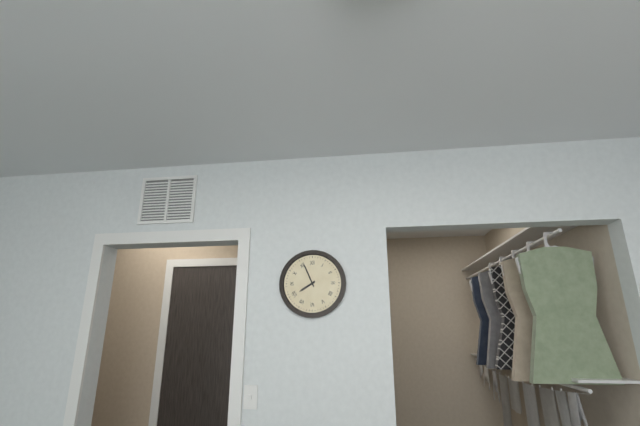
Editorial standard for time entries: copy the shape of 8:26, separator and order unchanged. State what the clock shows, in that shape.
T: 7:56
